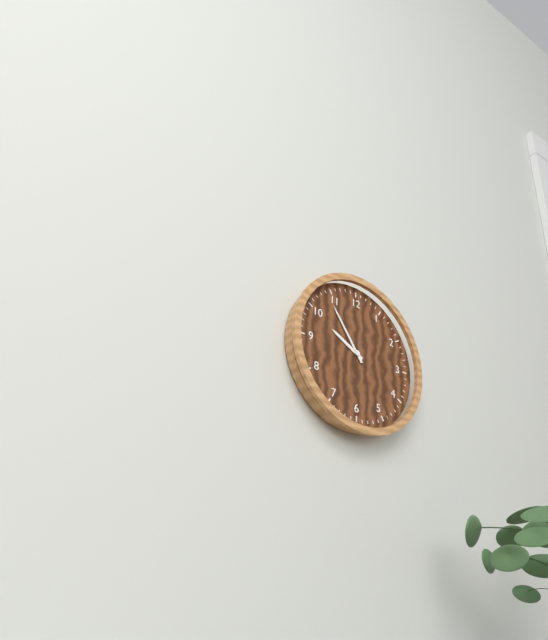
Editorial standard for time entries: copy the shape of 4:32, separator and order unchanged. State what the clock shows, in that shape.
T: 9:54
